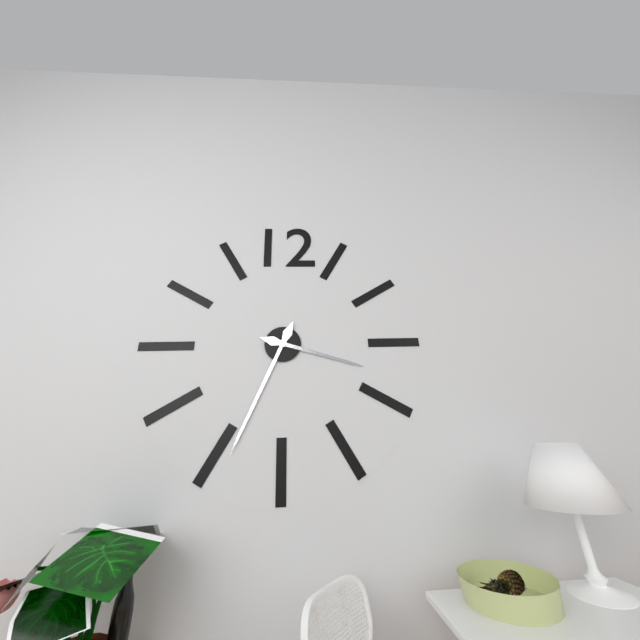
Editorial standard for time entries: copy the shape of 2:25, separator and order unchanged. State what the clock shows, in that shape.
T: 3:34
